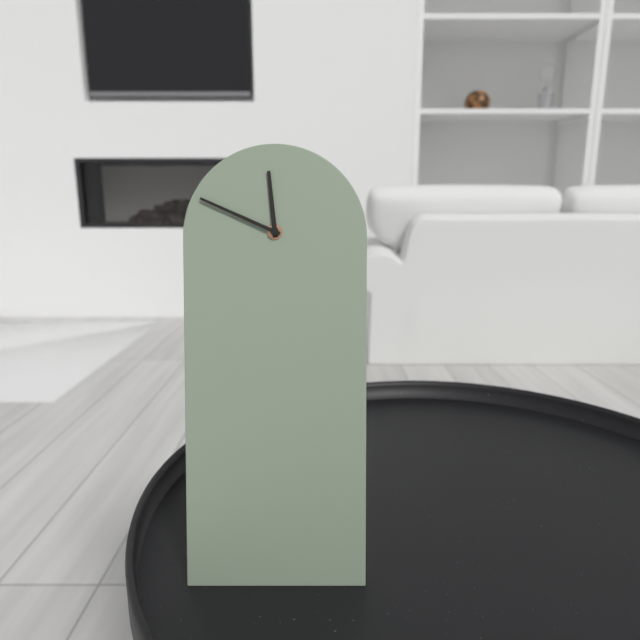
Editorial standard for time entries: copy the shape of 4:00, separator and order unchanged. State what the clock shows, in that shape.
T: 11:49
